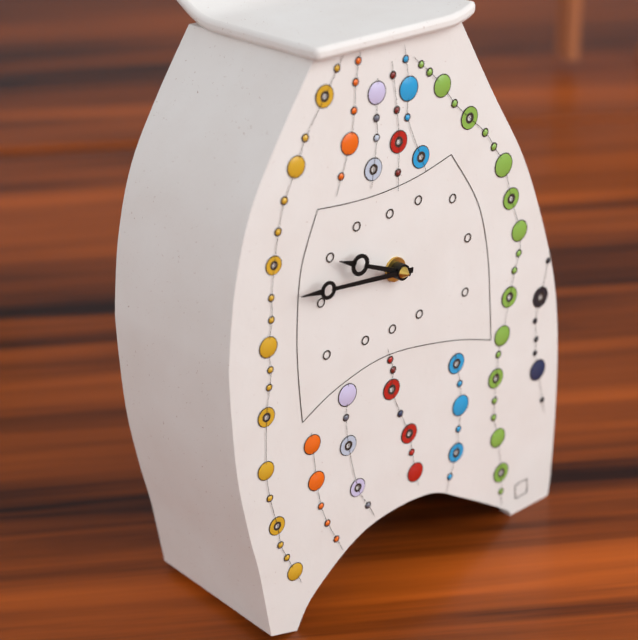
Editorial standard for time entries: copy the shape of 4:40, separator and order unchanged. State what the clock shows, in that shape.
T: 9:46
